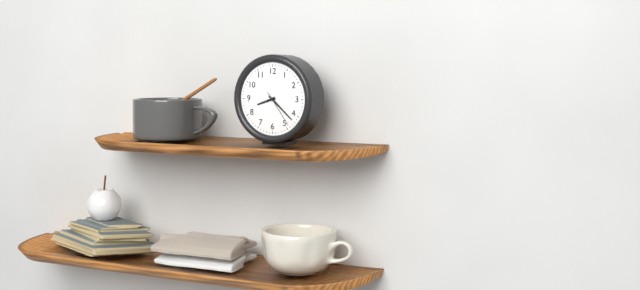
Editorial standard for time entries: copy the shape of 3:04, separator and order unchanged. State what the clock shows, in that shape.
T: 8:22
